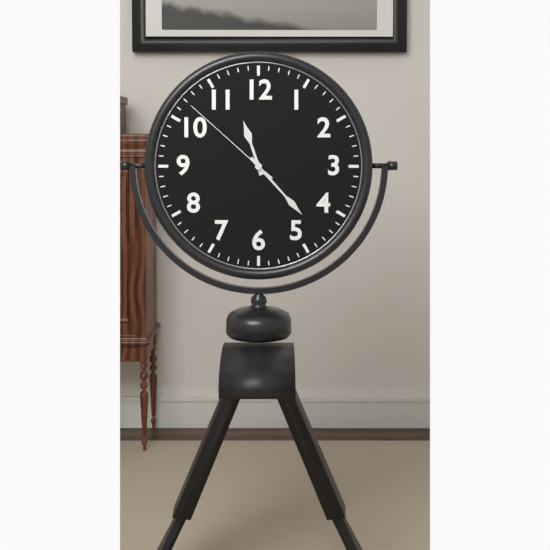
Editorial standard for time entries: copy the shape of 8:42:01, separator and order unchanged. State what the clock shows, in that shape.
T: 11:23:52
